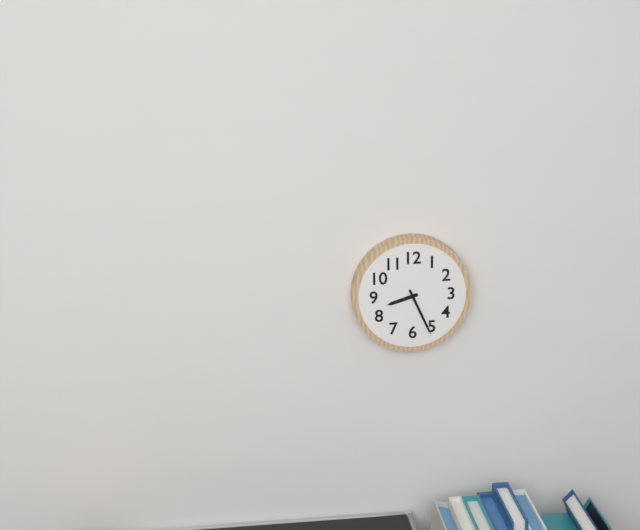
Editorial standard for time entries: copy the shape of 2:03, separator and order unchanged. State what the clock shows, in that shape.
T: 8:26
